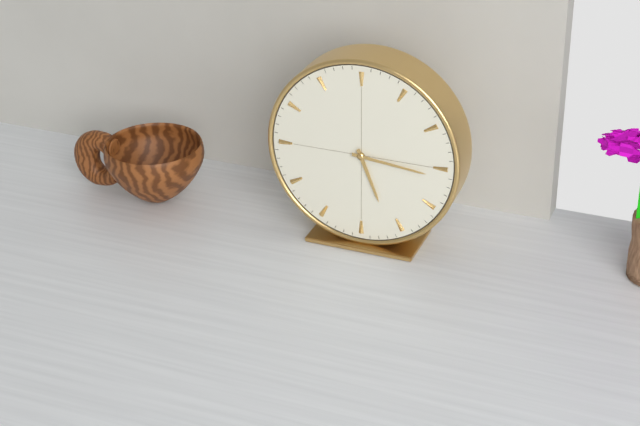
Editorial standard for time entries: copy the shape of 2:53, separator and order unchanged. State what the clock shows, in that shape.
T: 5:16
